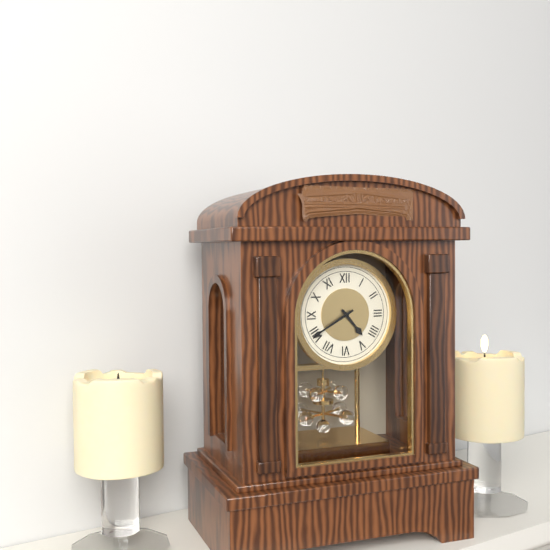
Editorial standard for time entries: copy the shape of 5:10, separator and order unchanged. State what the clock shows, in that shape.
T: 4:40
